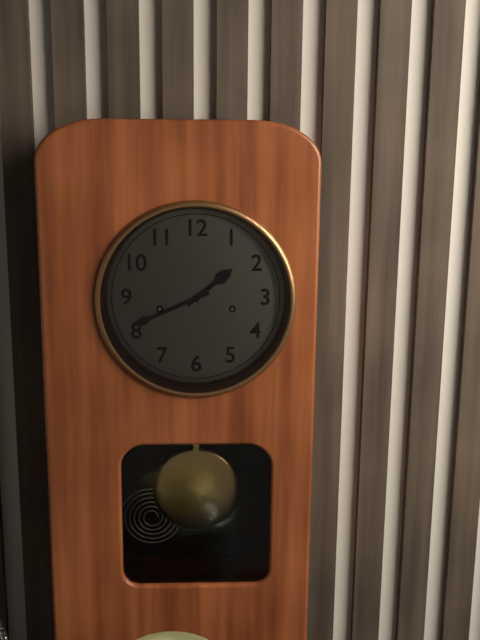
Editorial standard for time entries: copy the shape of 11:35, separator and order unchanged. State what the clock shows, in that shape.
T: 1:41
